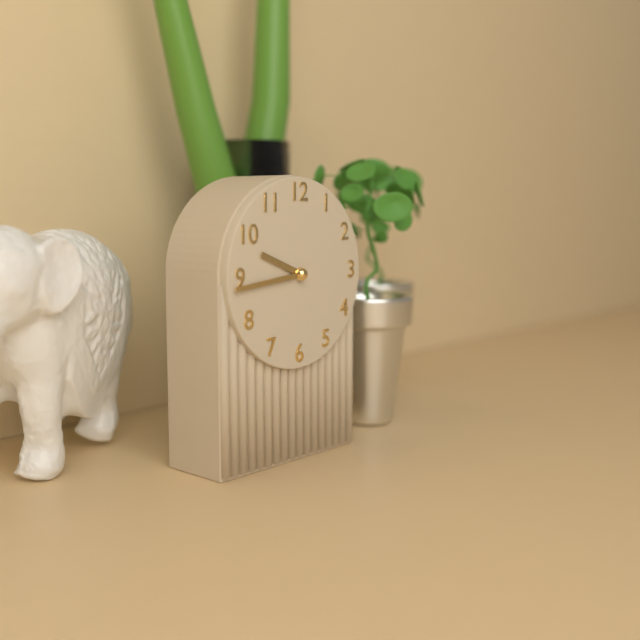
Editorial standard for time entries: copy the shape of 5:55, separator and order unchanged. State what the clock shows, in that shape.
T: 9:44
